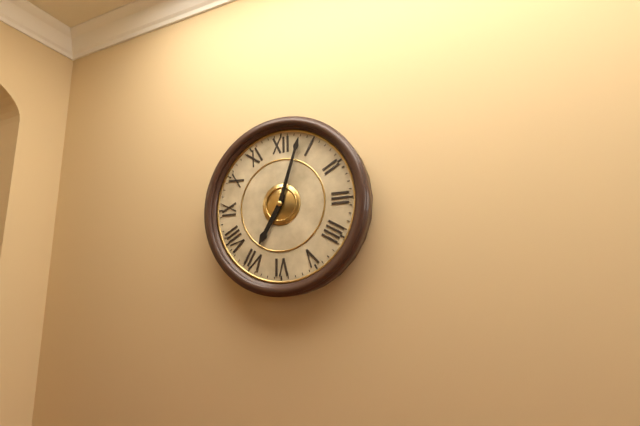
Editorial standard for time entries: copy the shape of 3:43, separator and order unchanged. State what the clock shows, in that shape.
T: 7:03
